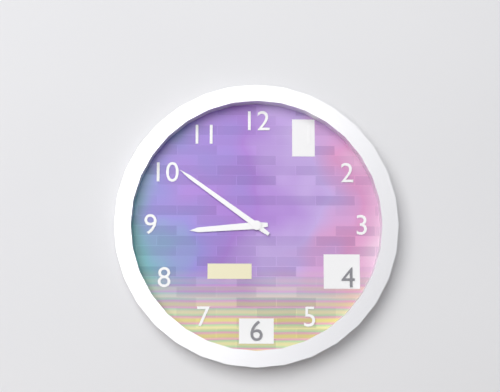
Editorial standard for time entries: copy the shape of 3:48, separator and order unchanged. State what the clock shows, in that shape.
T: 8:51
